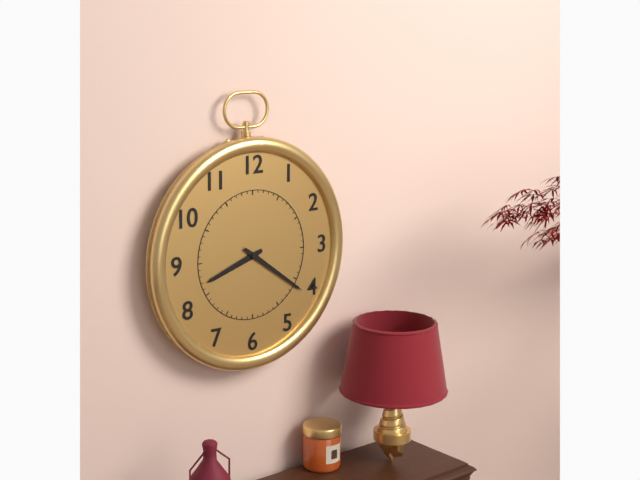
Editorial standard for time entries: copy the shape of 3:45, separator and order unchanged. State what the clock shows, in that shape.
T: 8:21
